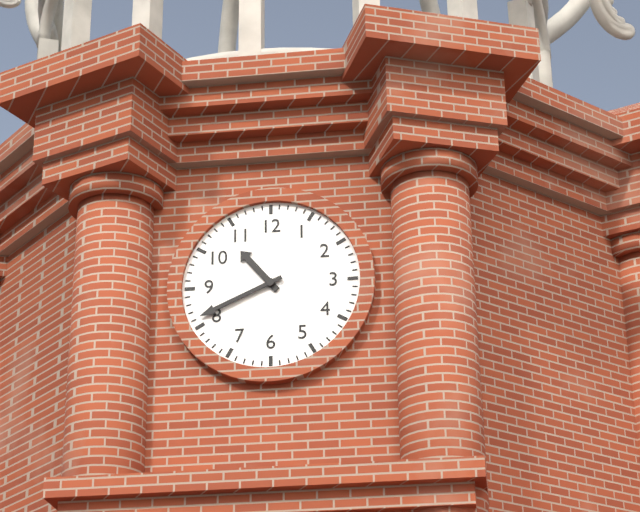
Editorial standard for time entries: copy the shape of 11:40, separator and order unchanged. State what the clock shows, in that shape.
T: 10:41
